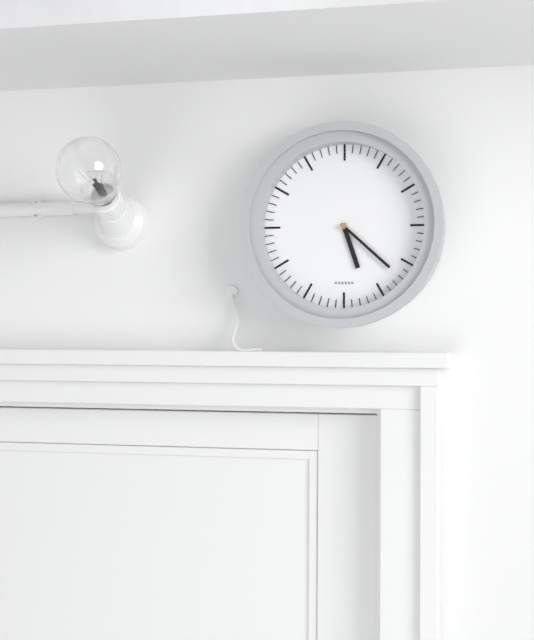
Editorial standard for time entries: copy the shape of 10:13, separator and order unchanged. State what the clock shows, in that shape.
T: 5:22
